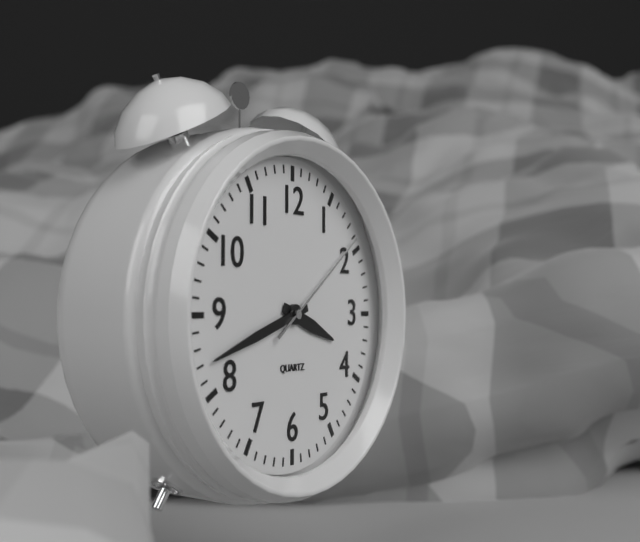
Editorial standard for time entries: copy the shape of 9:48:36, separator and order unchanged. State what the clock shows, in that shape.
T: 3:42:09
